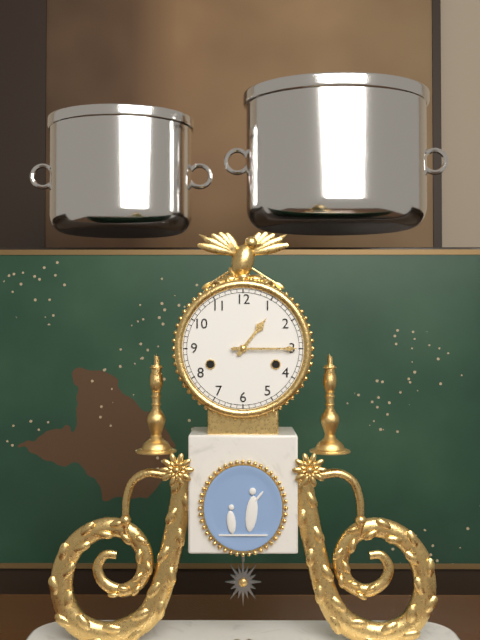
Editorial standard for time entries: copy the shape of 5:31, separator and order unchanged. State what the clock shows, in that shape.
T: 1:15
